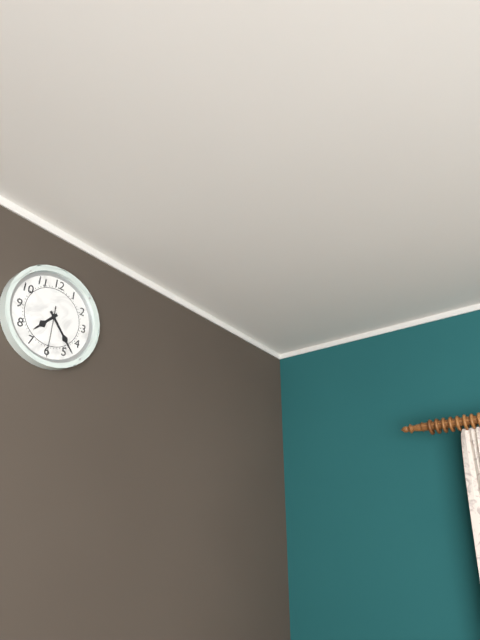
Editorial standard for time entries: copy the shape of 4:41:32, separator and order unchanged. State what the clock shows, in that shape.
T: 7:23:30
